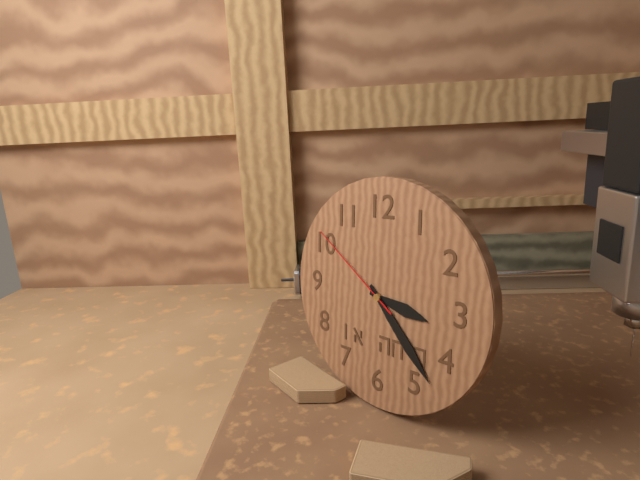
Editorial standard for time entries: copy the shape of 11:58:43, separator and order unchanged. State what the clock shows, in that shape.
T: 3:23:51
